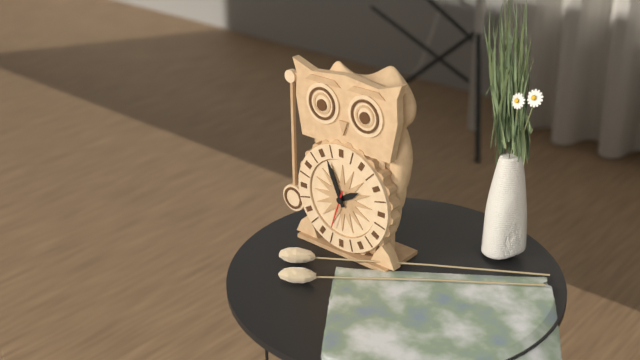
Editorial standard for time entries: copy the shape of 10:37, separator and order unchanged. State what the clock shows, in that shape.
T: 1:56
